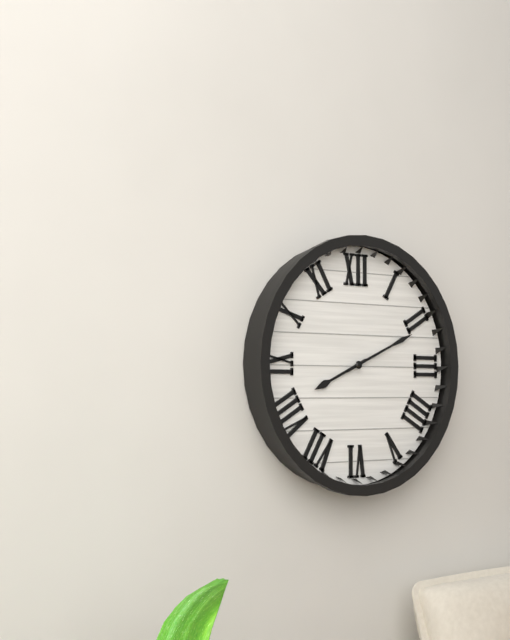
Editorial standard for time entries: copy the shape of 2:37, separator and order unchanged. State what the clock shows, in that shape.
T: 8:11
